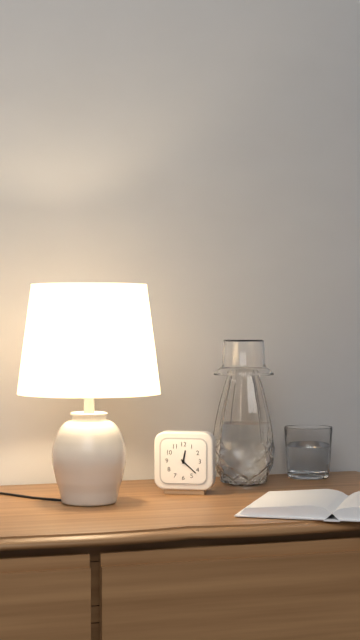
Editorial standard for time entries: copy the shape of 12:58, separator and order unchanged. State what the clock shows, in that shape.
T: 12:22
